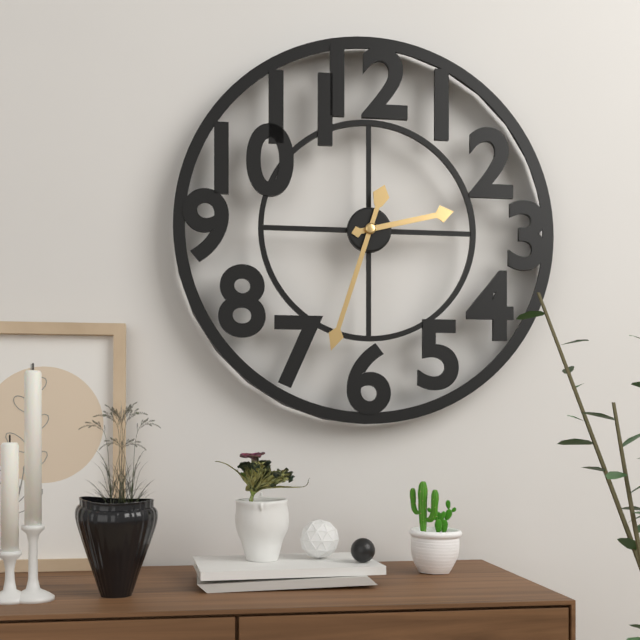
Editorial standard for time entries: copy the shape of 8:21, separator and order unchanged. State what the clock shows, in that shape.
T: 2:33
